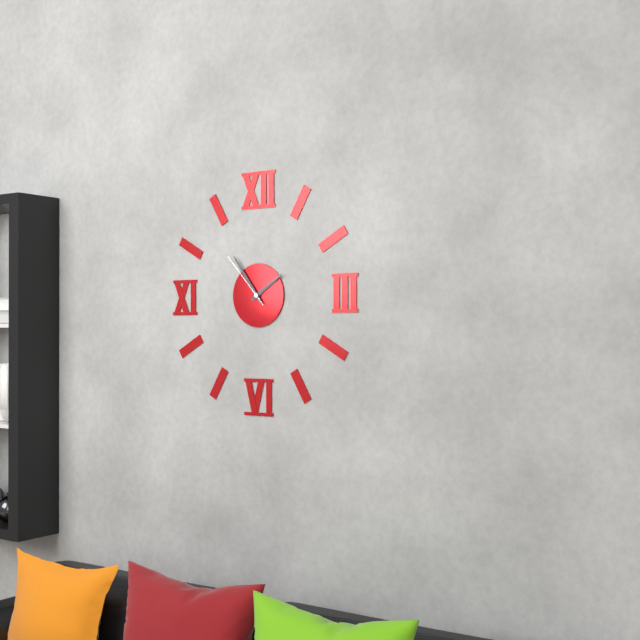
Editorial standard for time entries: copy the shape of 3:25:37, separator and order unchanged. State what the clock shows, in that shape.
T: 1:54:53
